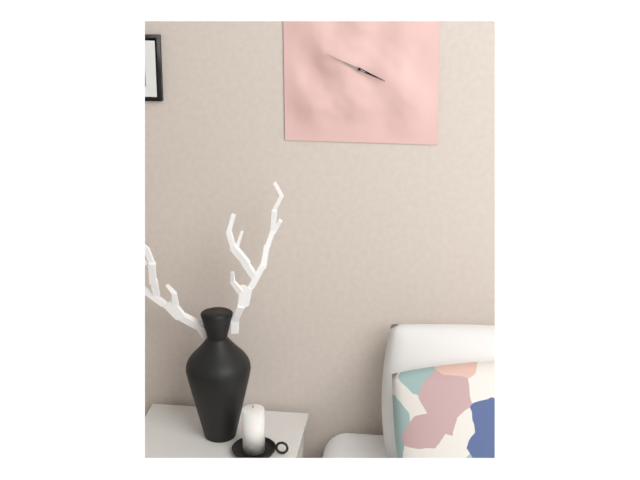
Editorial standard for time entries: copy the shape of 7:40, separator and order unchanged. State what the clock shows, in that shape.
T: 3:49
